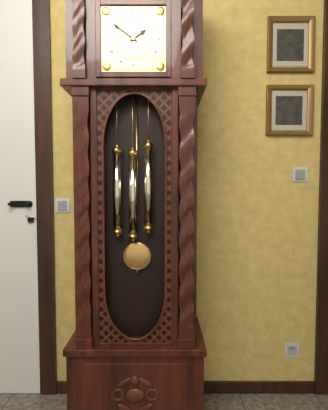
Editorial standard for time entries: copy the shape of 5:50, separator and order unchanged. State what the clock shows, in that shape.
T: 1:51
